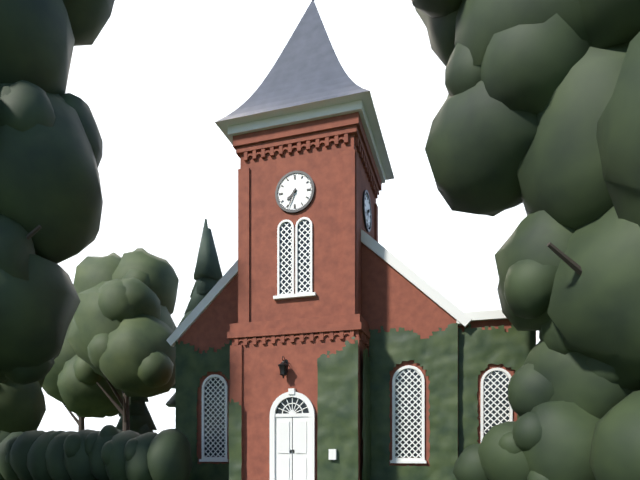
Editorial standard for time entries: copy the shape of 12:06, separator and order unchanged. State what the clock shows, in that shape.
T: 7:34
